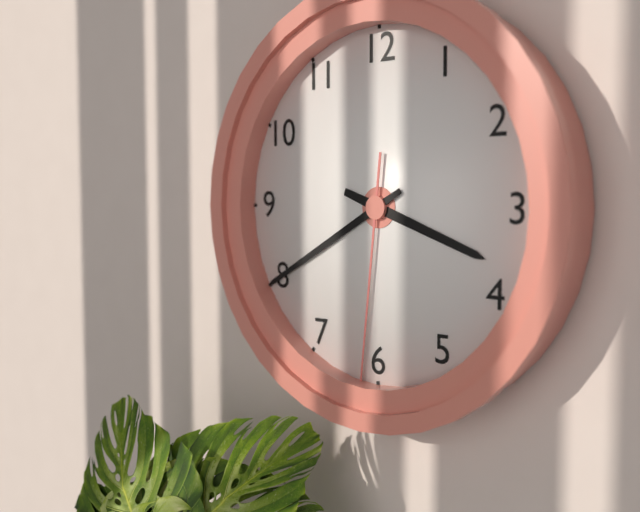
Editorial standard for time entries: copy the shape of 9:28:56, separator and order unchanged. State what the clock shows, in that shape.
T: 3:40:31
